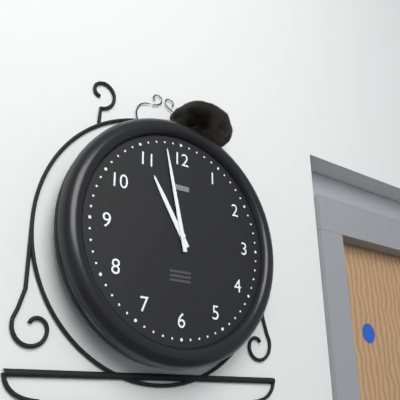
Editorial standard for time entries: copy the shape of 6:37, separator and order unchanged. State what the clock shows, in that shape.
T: 10:58
